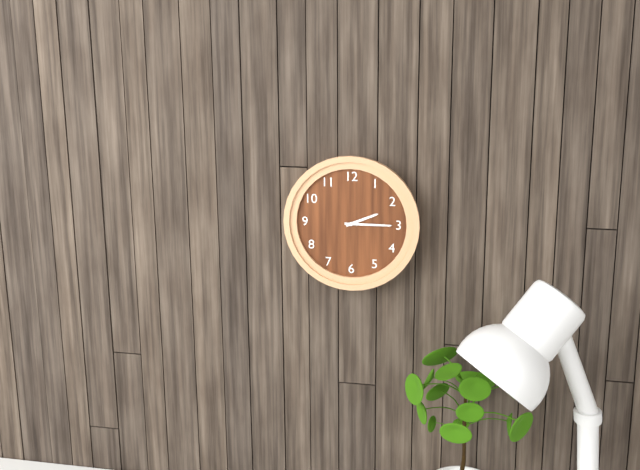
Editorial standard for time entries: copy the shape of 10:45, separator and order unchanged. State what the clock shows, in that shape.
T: 2:15
